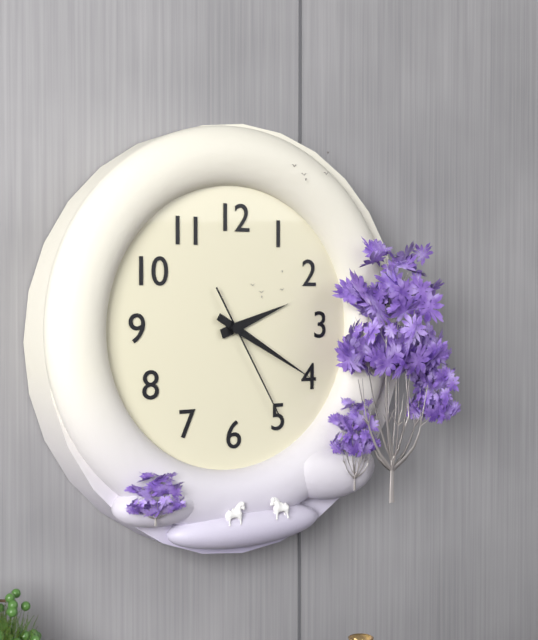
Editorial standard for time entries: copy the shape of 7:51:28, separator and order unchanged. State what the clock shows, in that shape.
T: 2:20:25
